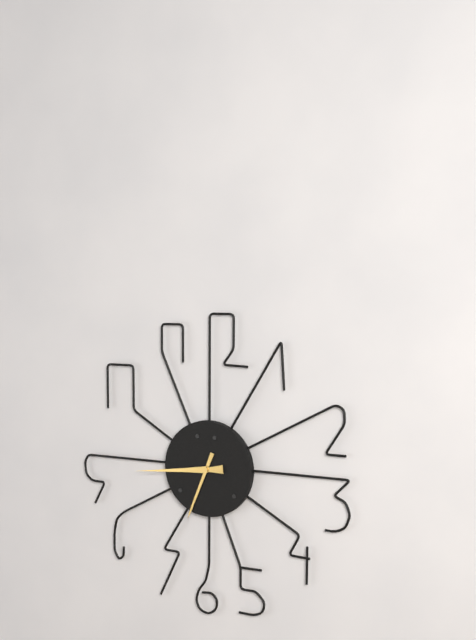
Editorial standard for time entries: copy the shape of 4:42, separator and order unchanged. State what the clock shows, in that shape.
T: 6:44
